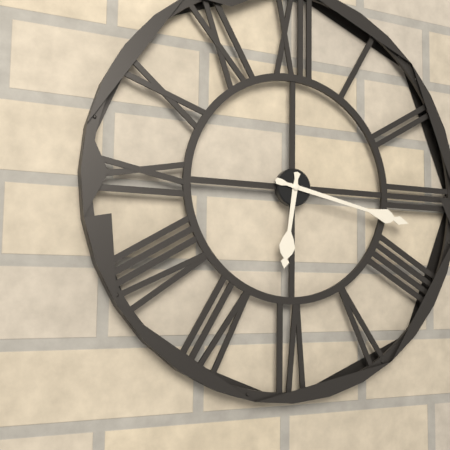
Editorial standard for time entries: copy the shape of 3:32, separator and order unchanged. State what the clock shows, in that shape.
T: 6:17
